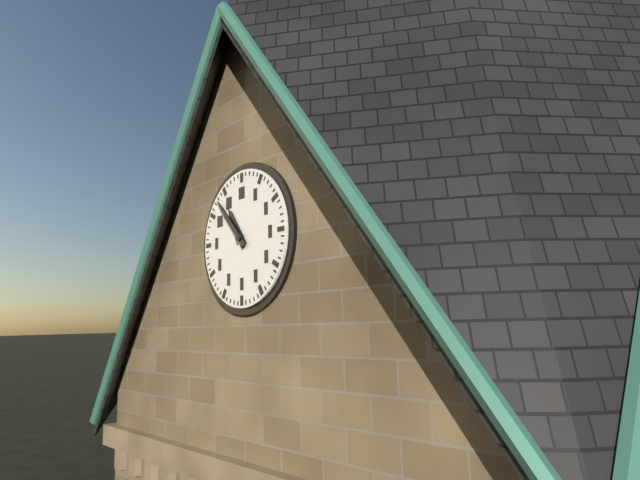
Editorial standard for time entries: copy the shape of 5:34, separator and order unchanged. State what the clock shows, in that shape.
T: 10:53
